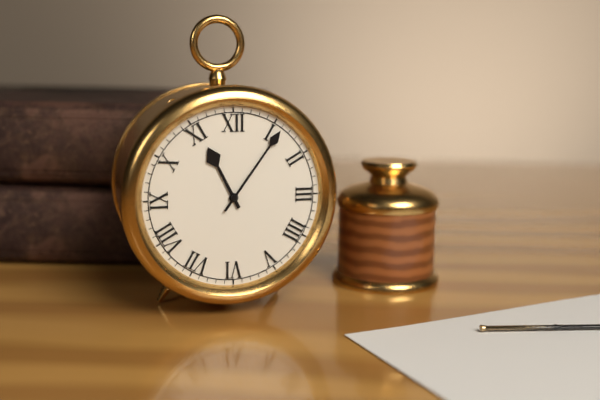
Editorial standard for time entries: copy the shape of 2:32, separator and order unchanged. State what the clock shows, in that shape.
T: 11:06
